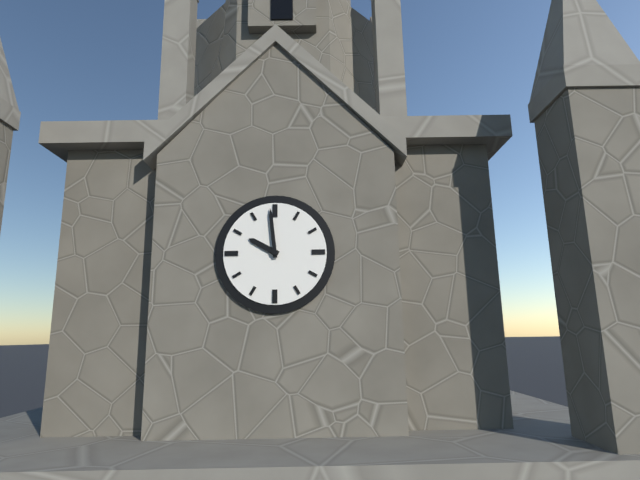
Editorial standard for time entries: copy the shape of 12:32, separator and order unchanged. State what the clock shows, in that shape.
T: 9:59
